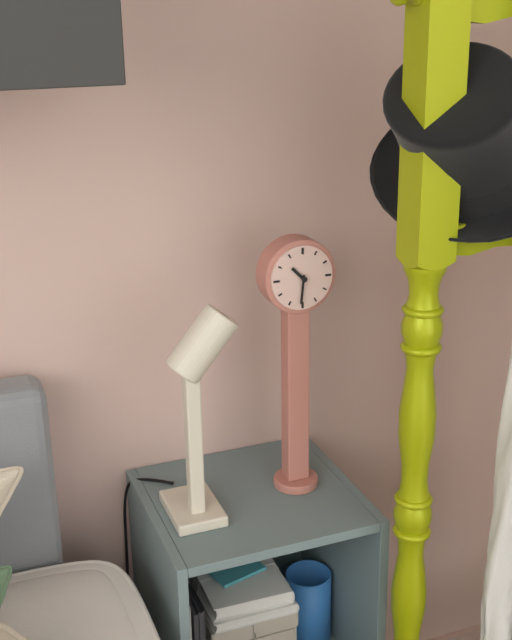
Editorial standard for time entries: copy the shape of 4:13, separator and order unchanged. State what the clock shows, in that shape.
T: 10:31
